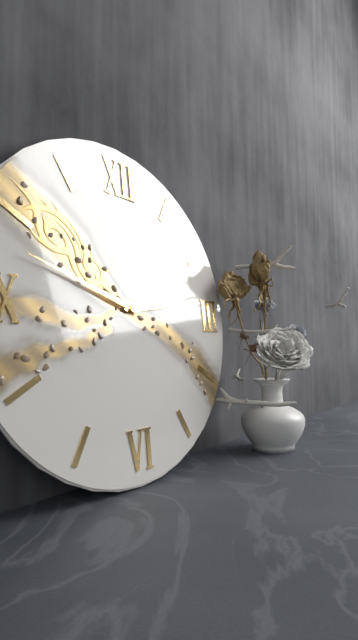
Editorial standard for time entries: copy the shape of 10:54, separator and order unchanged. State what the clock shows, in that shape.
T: 2:48
